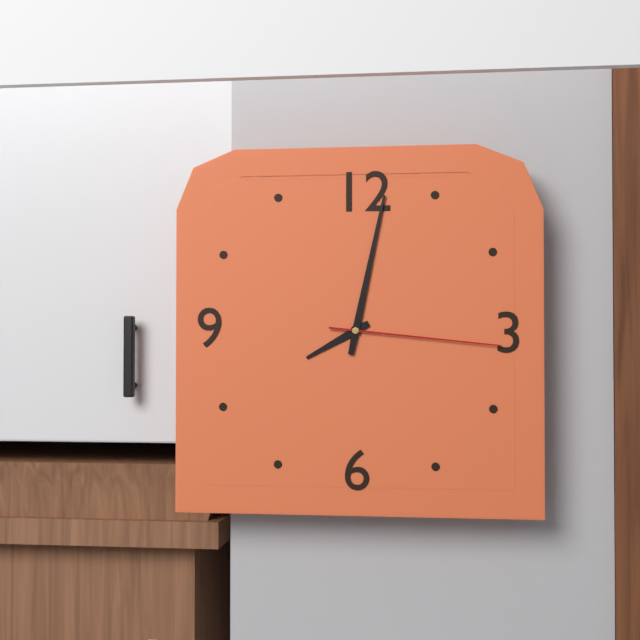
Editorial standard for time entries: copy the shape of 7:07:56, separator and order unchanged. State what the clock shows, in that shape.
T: 8:02:16
